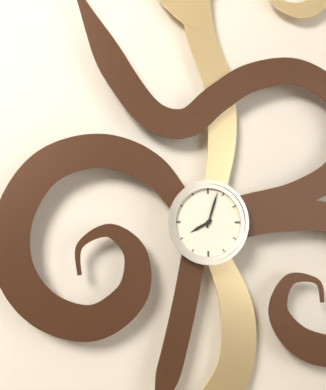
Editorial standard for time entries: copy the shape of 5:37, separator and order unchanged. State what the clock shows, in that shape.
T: 8:03
